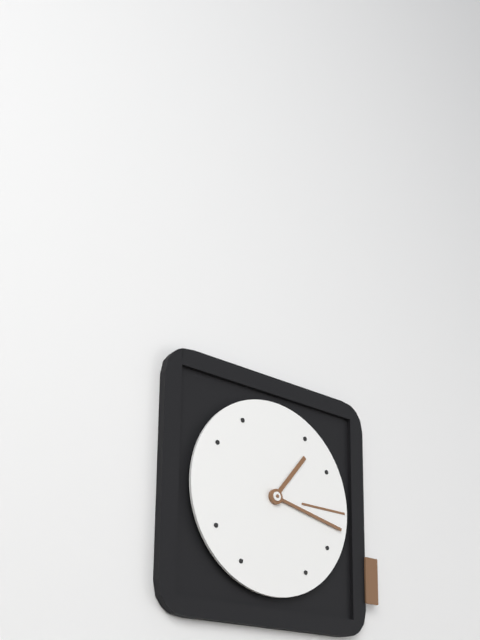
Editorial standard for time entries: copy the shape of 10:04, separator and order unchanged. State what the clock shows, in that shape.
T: 1:17
